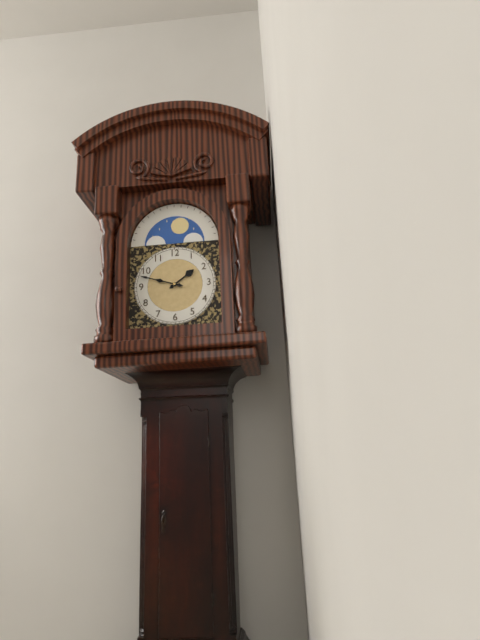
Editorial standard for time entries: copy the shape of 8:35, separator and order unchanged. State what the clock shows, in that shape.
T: 1:48
